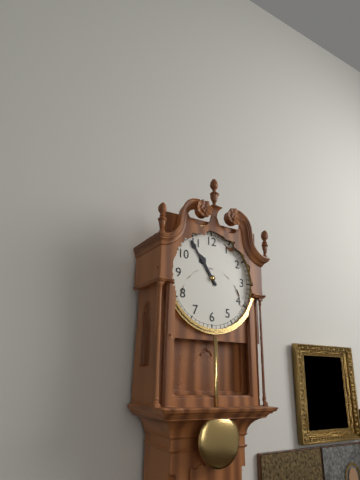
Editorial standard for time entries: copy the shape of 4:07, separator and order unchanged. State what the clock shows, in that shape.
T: 10:54
